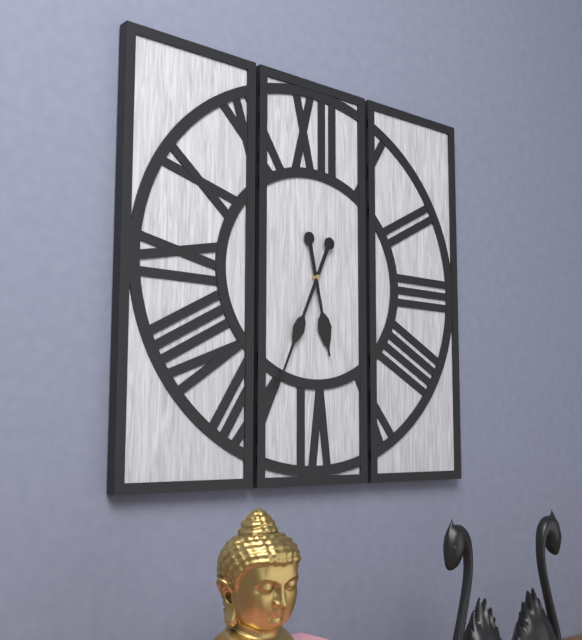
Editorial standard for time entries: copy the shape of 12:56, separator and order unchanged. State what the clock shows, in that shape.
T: 5:34
